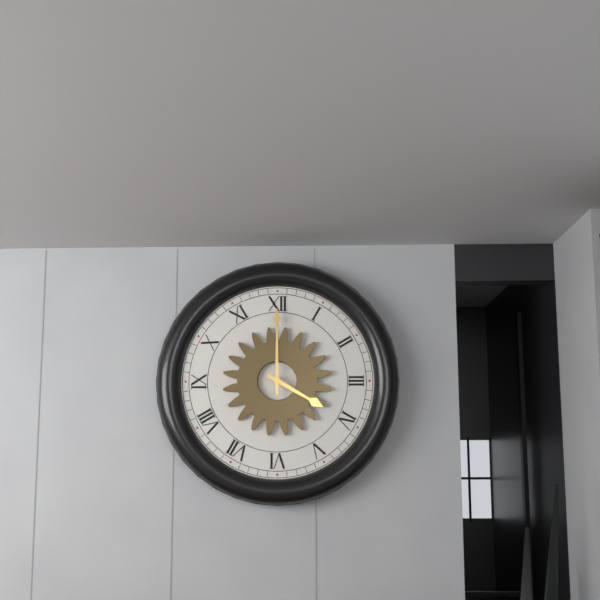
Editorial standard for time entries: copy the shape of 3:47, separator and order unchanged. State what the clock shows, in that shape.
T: 4:00
